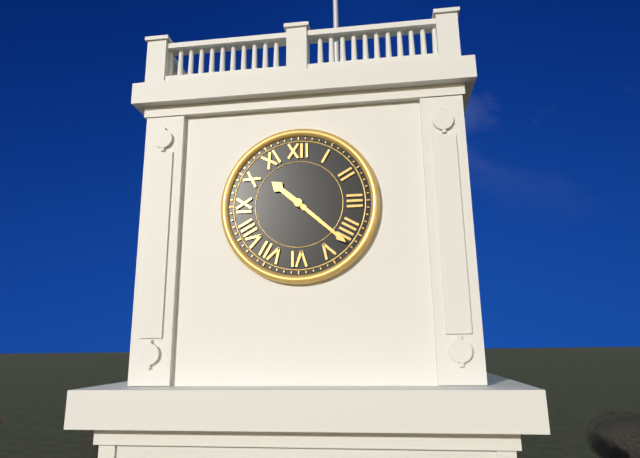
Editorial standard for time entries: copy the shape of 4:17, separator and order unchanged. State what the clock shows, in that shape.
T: 10:22
